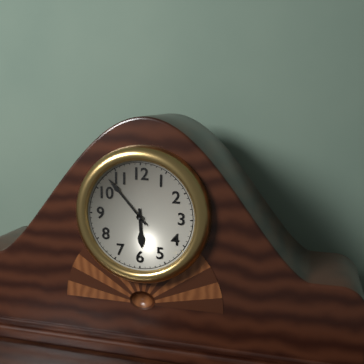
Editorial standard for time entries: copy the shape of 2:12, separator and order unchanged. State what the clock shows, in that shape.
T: 5:53
